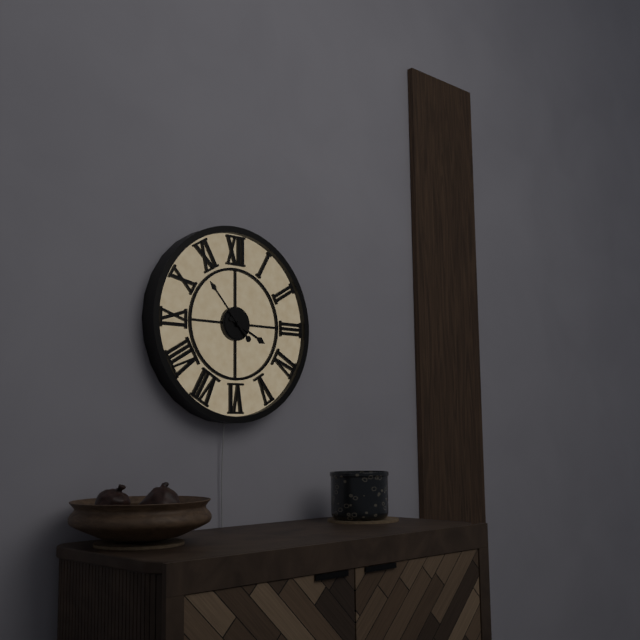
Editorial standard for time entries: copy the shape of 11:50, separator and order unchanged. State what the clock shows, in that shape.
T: 3:53
